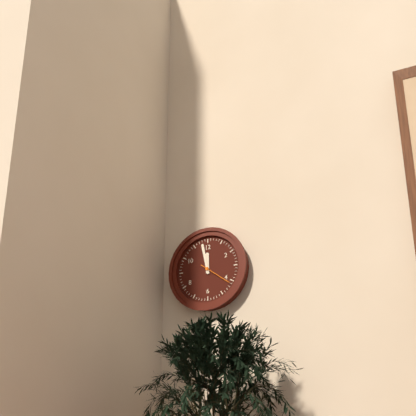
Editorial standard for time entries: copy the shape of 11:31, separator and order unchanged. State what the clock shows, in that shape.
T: 11:58
